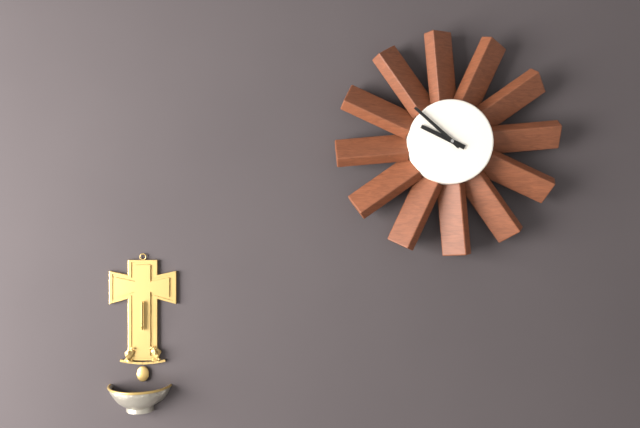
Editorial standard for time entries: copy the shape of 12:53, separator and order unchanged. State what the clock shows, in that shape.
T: 9:52
